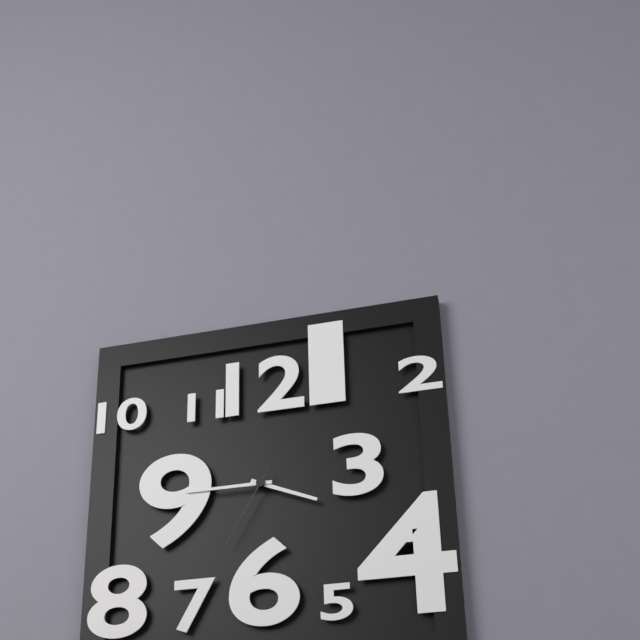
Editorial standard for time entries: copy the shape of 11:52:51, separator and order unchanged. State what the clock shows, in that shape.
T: 3:45:35
